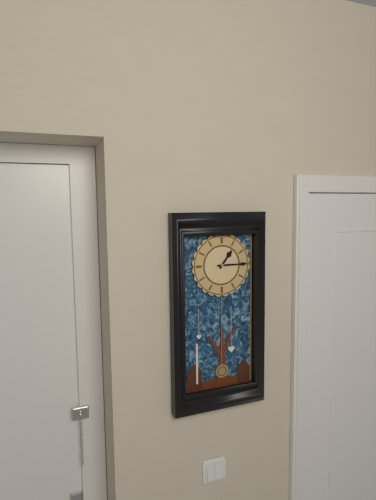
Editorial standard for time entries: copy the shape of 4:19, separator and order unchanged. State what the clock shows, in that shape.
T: 1:15
